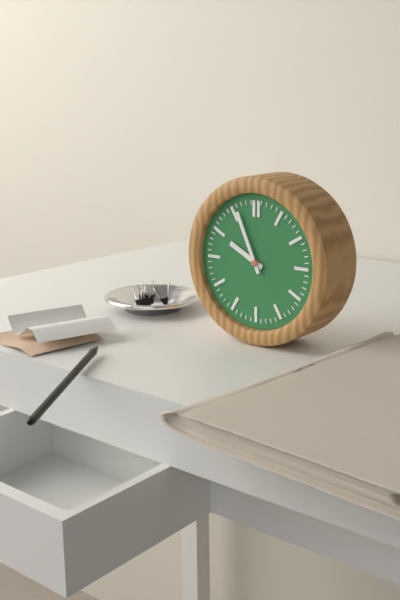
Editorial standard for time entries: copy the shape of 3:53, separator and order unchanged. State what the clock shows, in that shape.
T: 9:56
